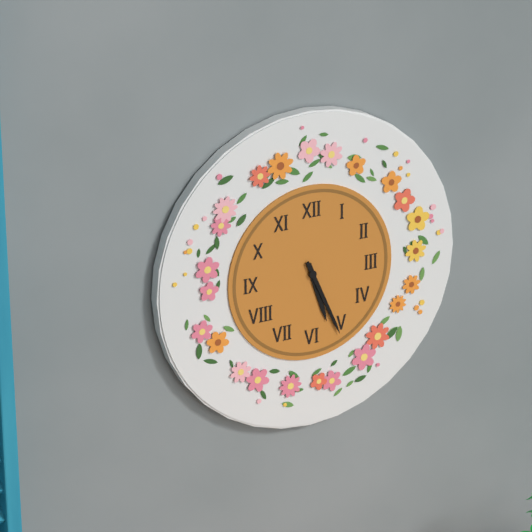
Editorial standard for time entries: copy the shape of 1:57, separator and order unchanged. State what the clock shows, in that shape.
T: 5:26
